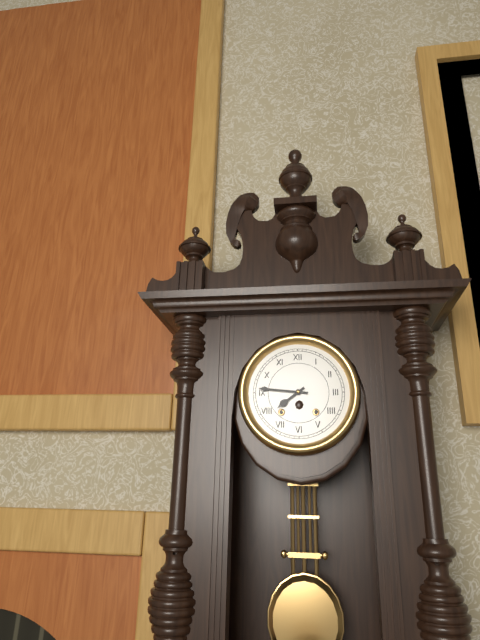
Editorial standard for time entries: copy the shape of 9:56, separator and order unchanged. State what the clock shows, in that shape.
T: 7:46
